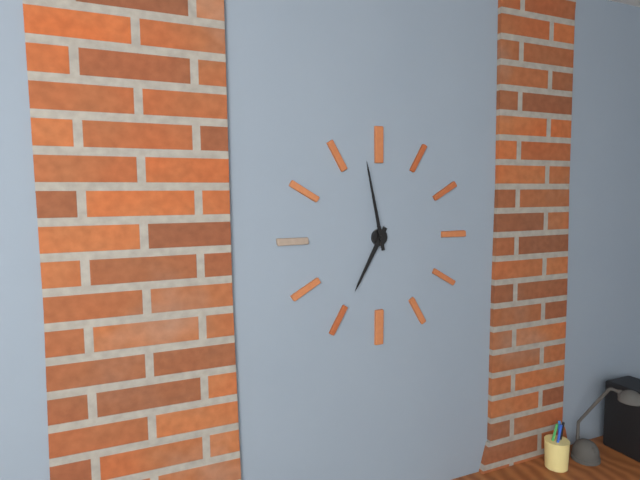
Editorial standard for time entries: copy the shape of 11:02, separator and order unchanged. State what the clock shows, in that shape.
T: 6:58
